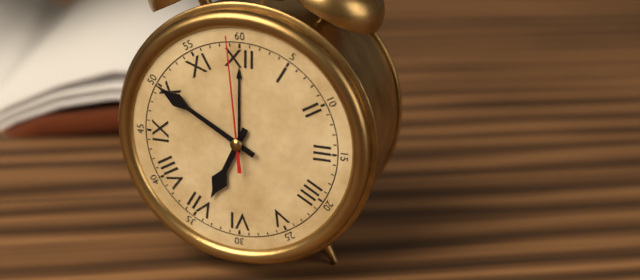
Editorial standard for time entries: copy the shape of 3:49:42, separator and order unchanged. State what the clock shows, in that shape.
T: 6:50:59
